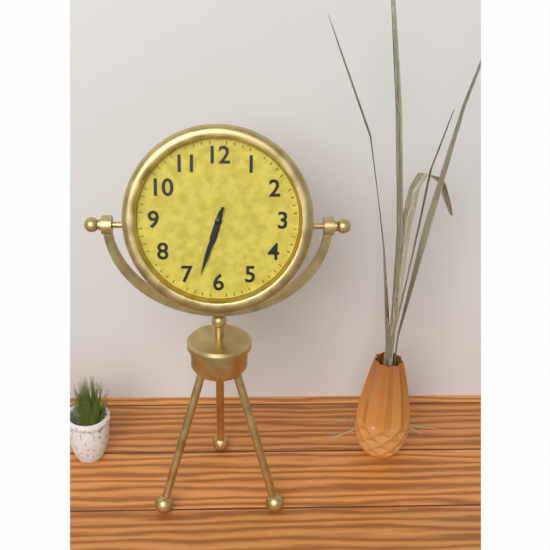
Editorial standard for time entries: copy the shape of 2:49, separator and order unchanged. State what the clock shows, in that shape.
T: 6:33
